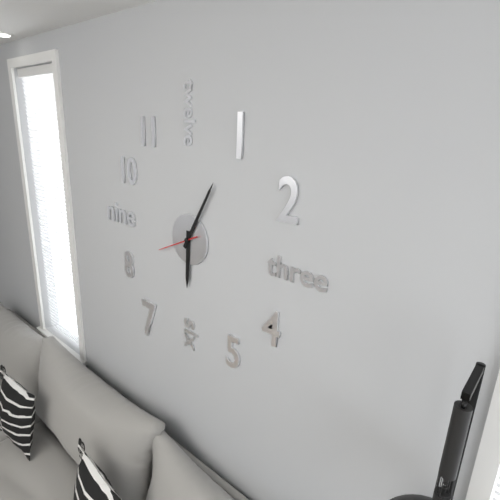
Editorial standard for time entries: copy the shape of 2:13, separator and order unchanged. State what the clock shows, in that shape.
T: 6:05
